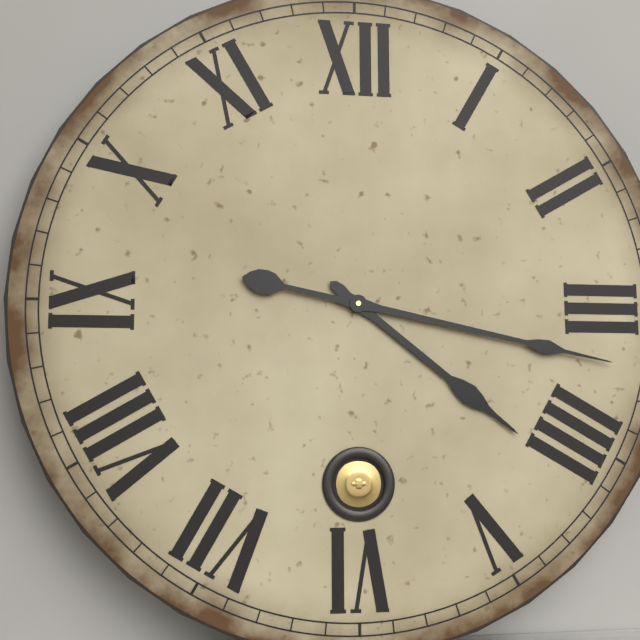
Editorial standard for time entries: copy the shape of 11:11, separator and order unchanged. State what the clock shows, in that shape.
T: 4:17
